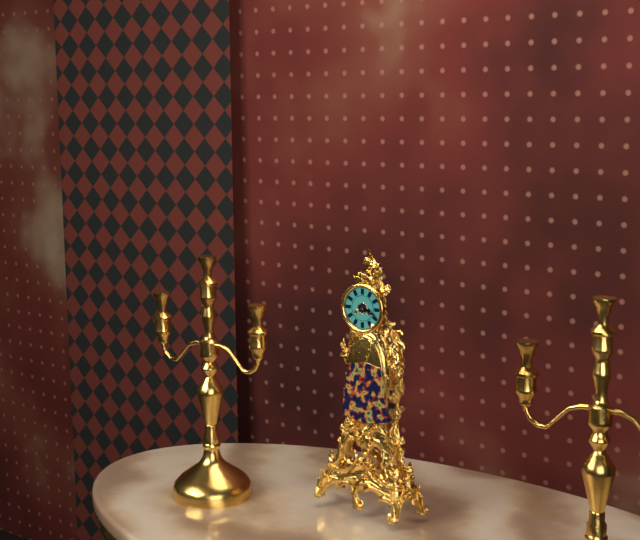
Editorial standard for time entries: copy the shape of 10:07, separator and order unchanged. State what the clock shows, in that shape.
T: 3:18
